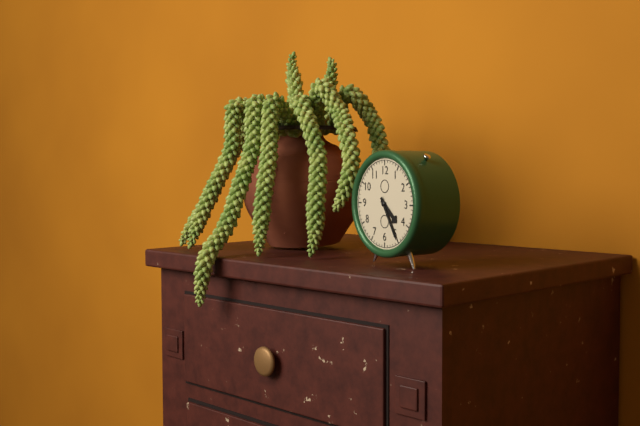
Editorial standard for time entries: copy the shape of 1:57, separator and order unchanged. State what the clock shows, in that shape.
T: 4:25
